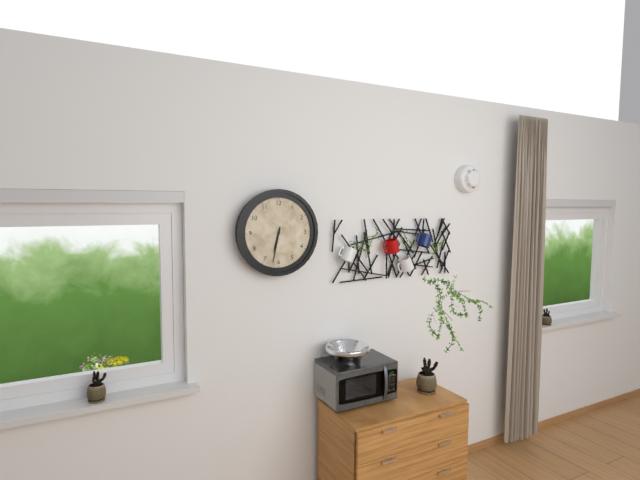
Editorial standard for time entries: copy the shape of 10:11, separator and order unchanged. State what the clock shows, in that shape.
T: 6:32
